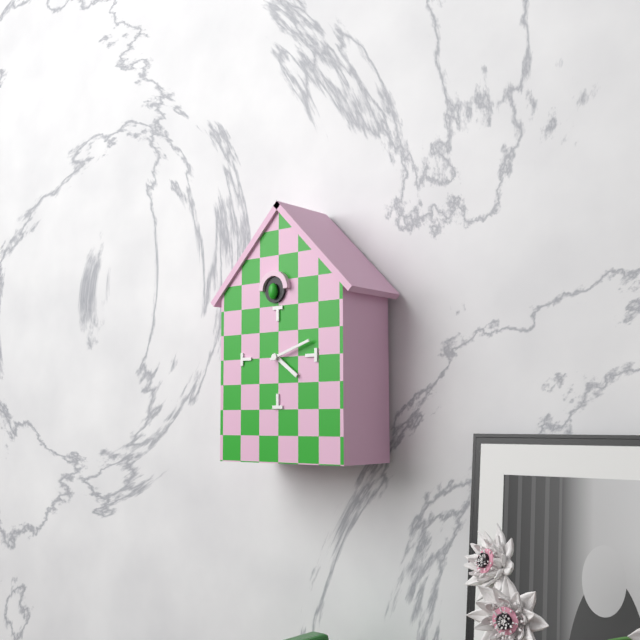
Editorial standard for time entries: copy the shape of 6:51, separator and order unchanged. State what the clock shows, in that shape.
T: 4:12
